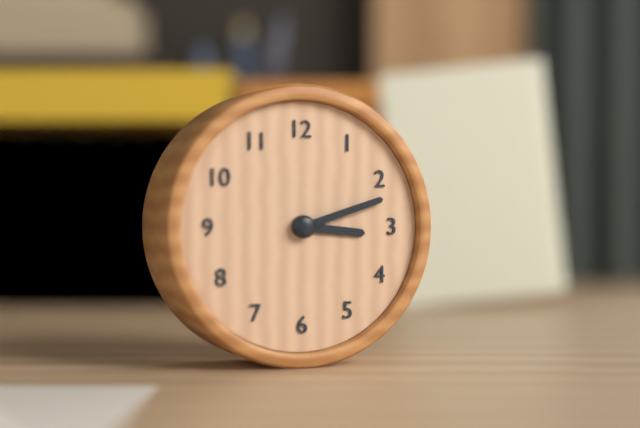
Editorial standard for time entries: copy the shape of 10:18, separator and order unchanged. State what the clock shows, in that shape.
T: 3:12
